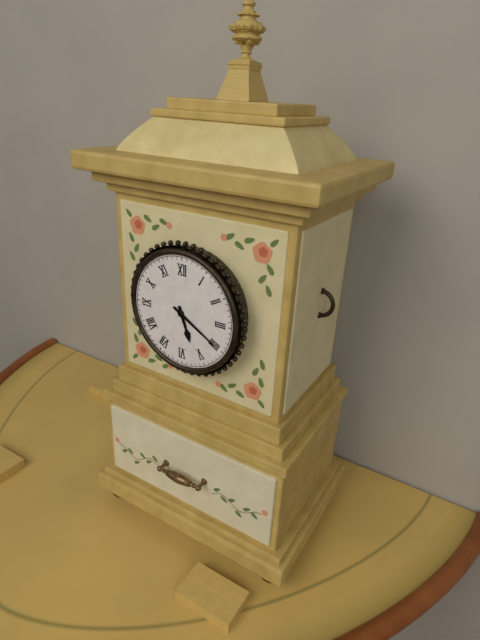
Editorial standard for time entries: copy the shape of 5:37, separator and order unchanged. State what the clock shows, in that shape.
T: 5:20
